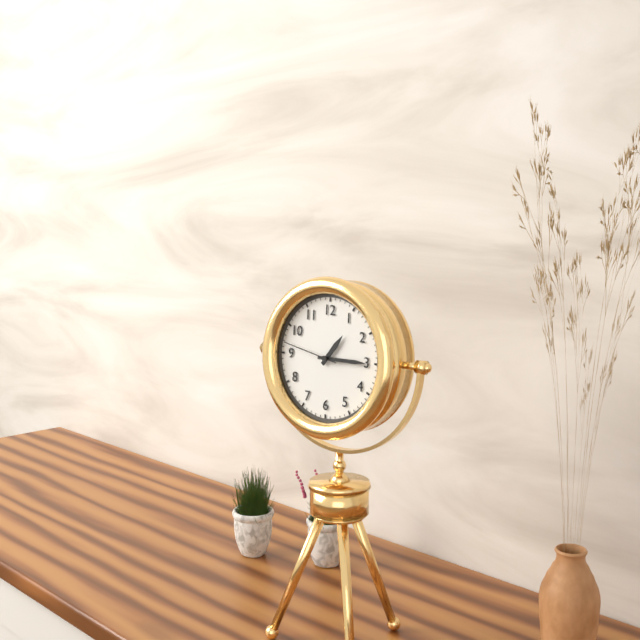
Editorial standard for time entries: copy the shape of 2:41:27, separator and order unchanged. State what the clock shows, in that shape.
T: 1:15:47
